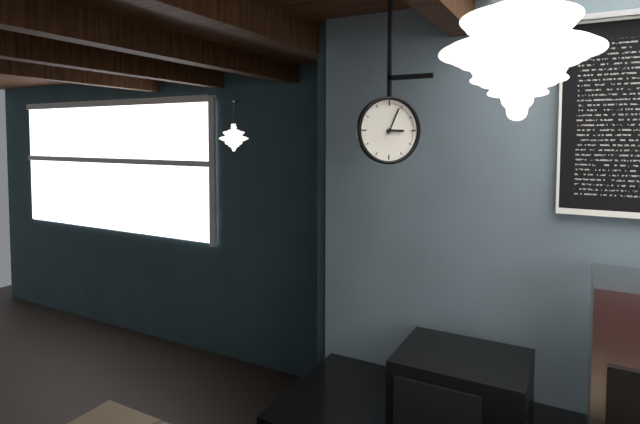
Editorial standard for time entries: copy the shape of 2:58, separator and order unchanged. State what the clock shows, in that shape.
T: 3:04
